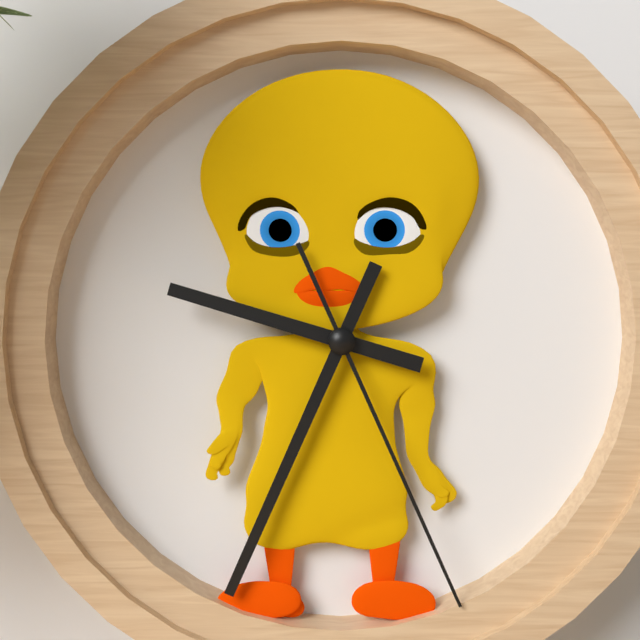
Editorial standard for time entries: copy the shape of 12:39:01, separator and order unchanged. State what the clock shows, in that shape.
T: 9:34:26
